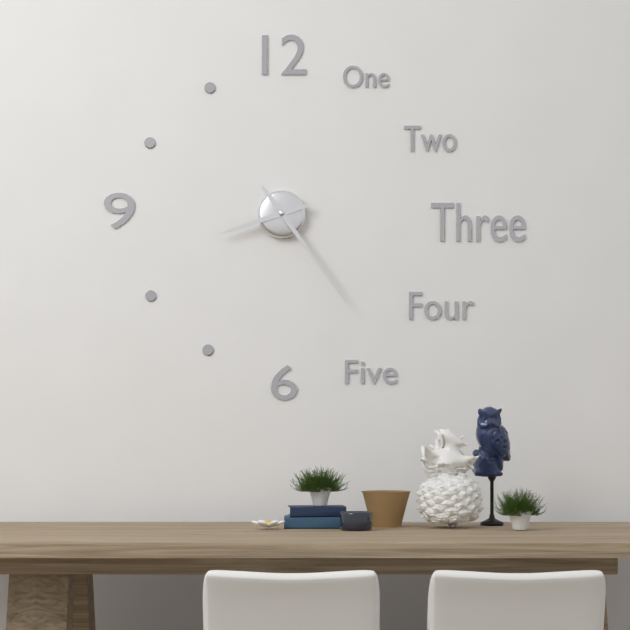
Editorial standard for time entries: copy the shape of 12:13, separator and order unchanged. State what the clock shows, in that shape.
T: 8:24
